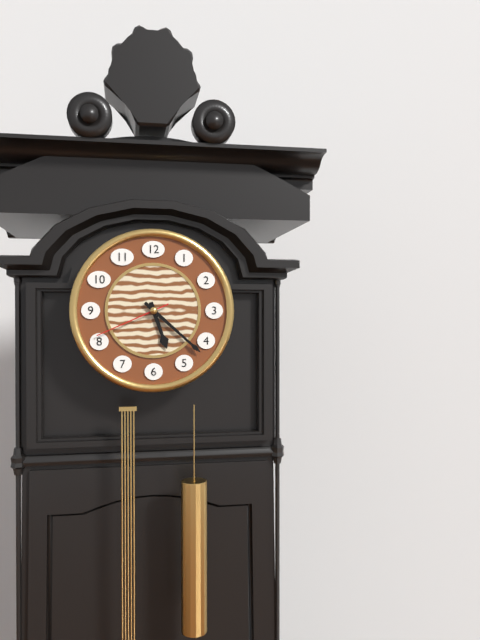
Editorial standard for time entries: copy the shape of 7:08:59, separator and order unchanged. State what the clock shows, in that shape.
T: 5:22:41
